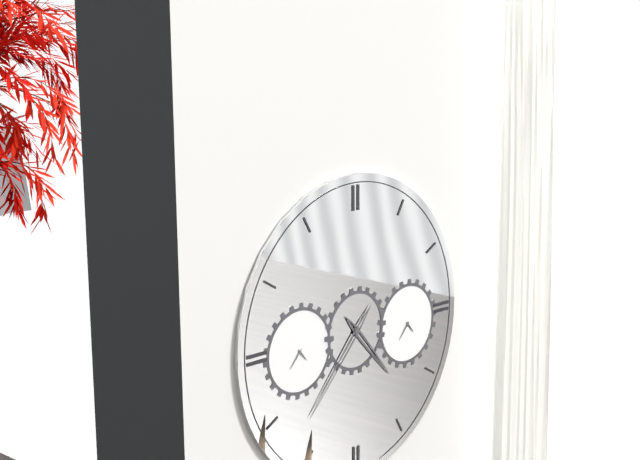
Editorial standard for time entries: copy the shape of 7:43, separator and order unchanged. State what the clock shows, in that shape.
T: 4:37
